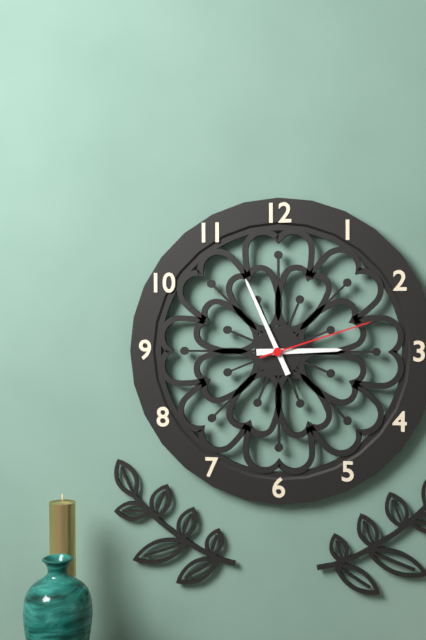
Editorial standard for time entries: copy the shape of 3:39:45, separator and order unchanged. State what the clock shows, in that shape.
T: 2:56:12
